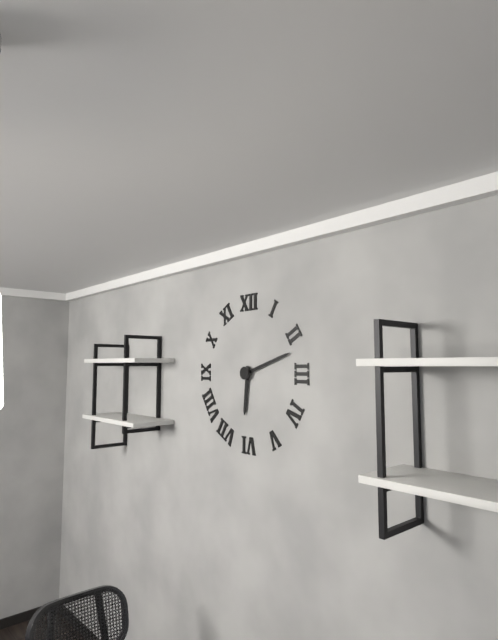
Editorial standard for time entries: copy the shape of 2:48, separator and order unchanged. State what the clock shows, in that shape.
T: 6:12
